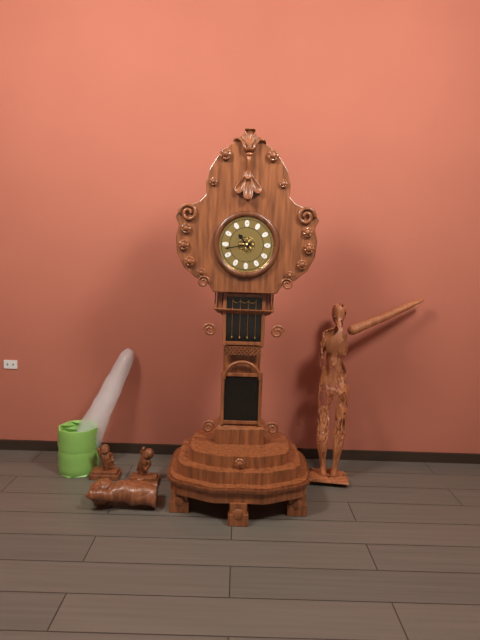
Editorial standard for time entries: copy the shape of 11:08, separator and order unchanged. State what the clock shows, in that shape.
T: 10:43
